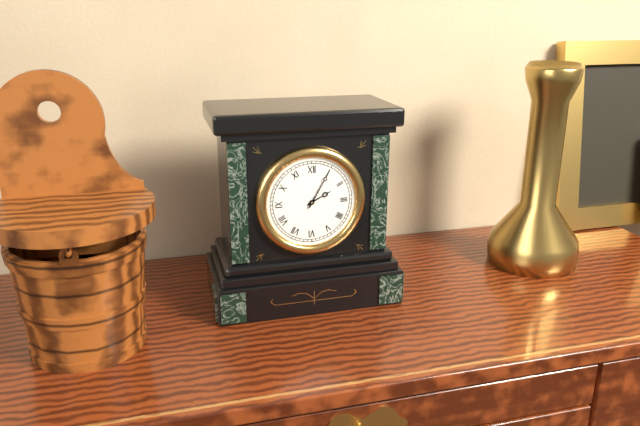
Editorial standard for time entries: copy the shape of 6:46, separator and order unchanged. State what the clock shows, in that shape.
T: 2:05
